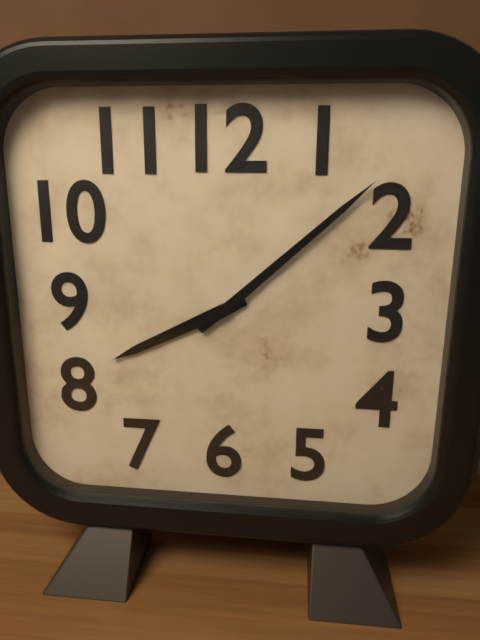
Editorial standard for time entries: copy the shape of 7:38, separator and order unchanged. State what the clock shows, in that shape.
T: 8:08
